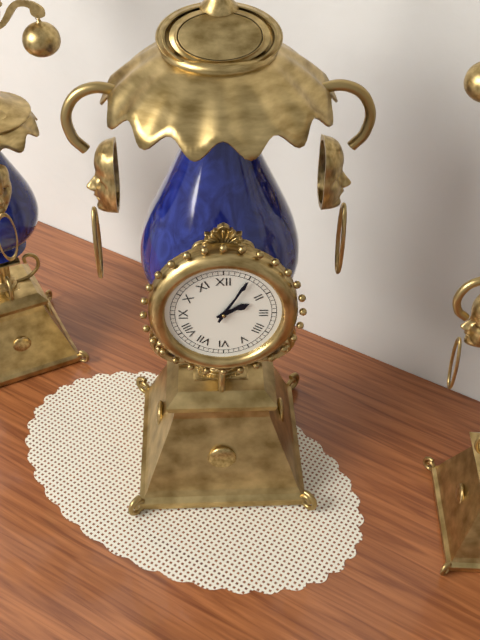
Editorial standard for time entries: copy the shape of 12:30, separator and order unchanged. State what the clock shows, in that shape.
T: 2:05
